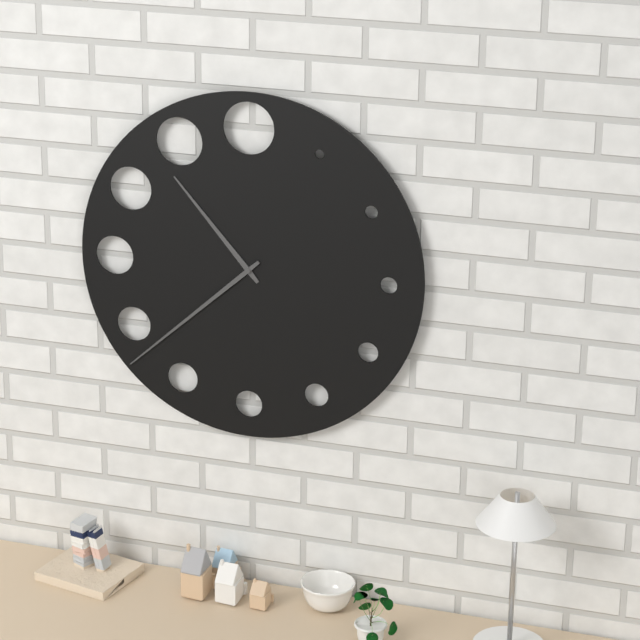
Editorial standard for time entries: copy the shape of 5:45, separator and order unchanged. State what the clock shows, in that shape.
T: 10:38
